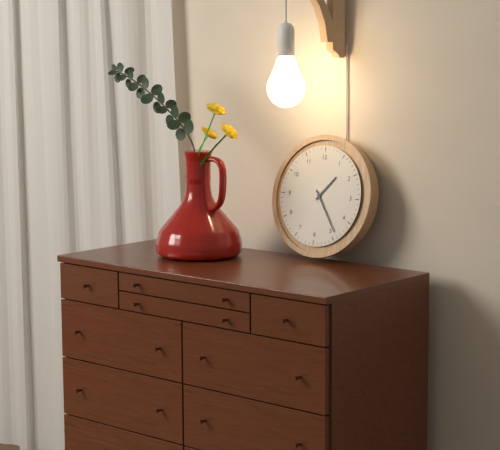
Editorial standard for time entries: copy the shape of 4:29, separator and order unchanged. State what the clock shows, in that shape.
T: 1:24
